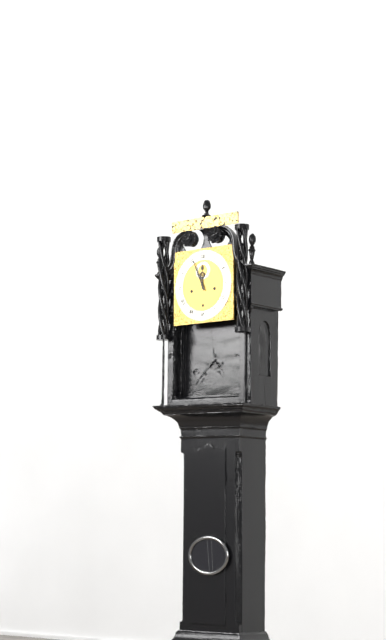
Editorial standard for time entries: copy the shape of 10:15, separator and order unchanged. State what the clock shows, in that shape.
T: 11:56
